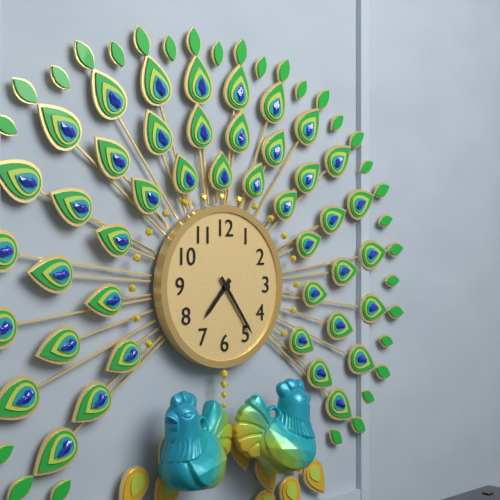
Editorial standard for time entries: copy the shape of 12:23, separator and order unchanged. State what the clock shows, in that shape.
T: 7:24
